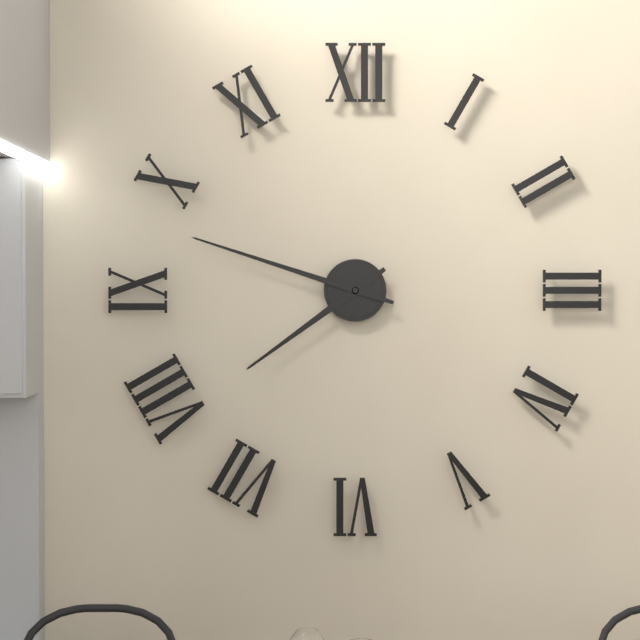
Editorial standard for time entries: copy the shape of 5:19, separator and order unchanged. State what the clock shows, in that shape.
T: 7:48
